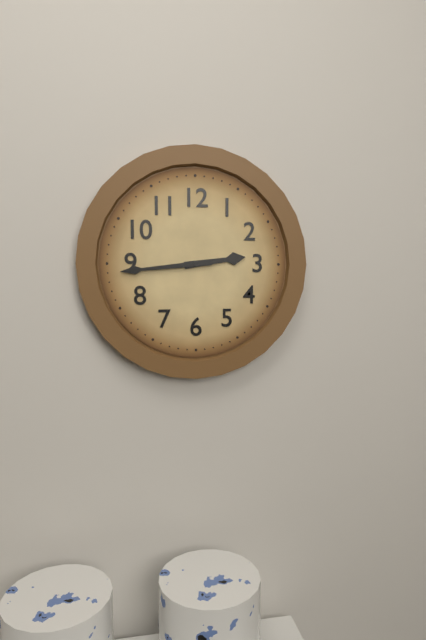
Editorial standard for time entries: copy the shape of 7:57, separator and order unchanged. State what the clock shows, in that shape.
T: 2:44
